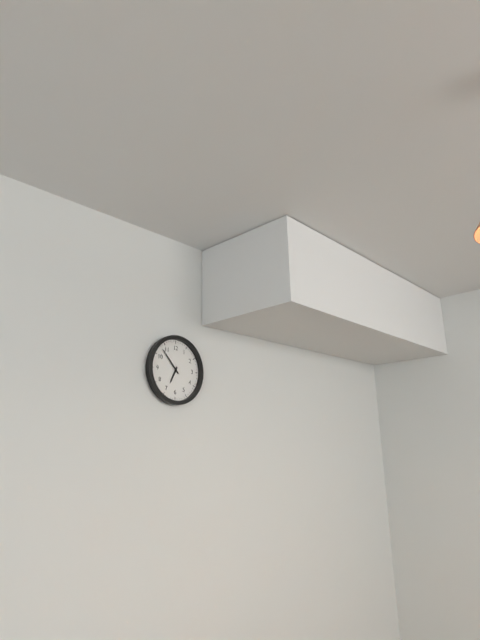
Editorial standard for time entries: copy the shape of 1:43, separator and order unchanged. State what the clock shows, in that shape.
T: 6:53
